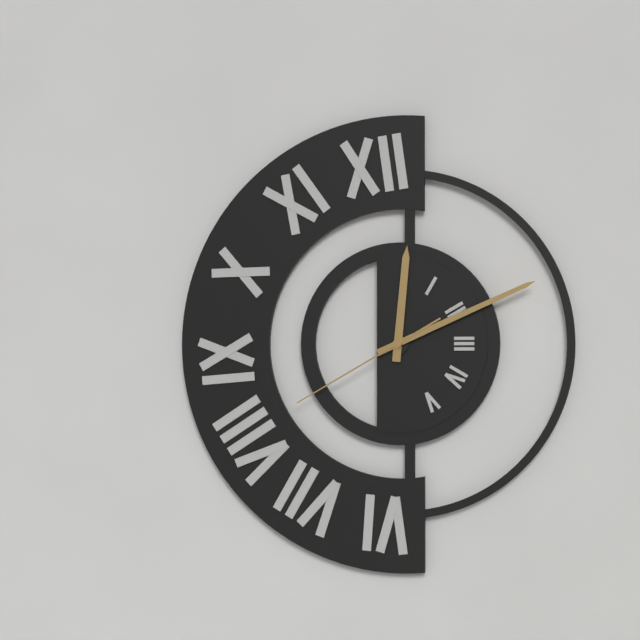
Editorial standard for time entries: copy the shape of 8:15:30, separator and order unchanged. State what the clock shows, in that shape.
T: 12:11:40
